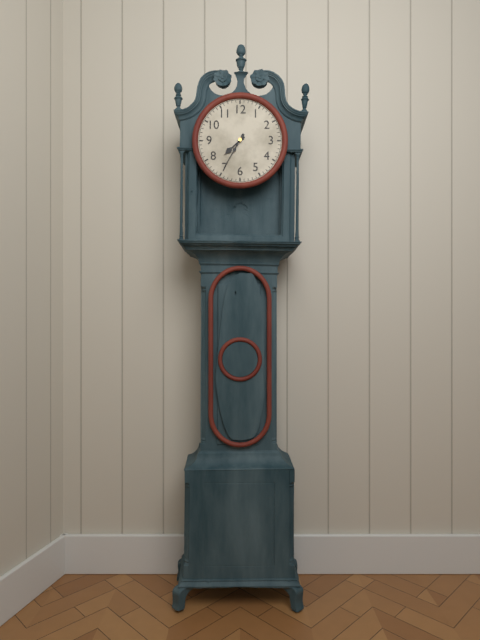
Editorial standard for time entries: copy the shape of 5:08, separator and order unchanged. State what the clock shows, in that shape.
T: 7:35
